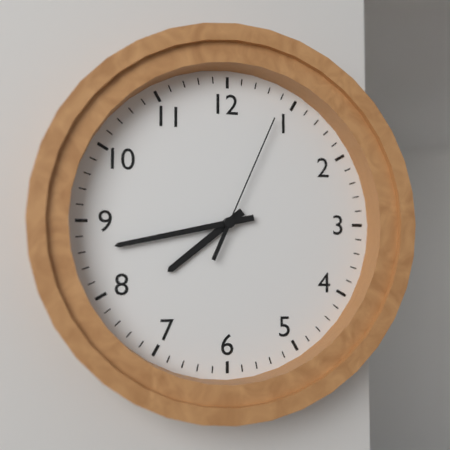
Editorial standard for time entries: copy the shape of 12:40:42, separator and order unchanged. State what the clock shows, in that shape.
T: 7:43:04
